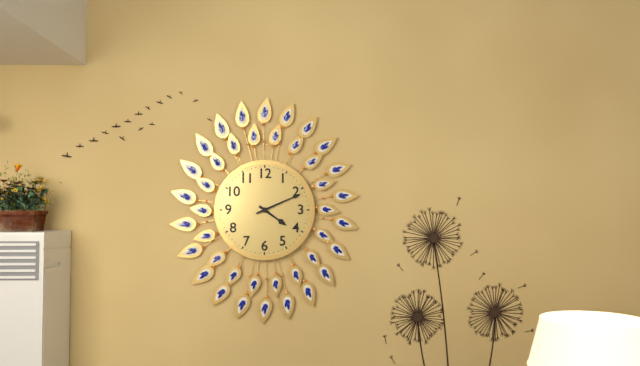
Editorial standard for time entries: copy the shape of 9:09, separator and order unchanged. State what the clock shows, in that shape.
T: 4:11
